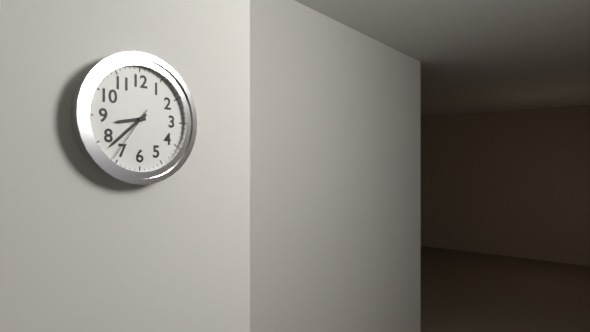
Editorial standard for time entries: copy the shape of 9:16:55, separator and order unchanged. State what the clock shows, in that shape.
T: 8:38:36
